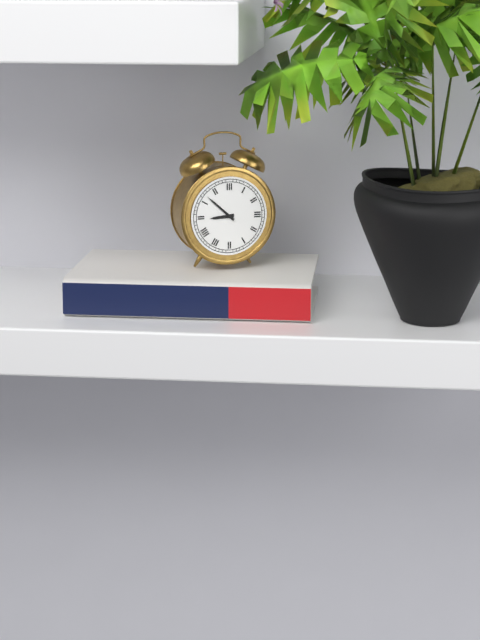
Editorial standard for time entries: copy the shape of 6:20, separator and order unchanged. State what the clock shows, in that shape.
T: 8:52
